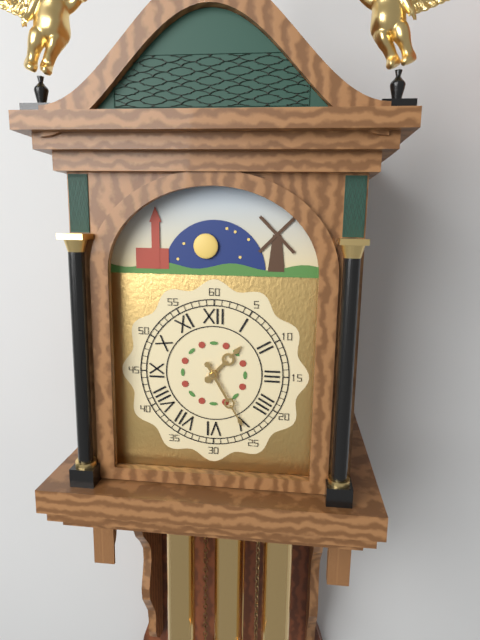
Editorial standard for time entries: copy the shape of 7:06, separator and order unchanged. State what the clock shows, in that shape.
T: 1:25
